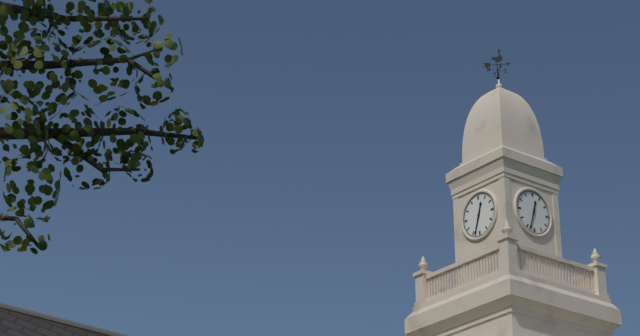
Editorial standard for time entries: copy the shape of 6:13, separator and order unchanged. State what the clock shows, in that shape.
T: 12:33
